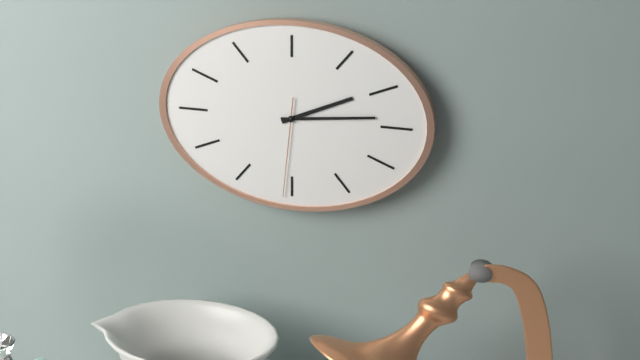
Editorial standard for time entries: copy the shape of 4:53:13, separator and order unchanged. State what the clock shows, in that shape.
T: 2:14:31
